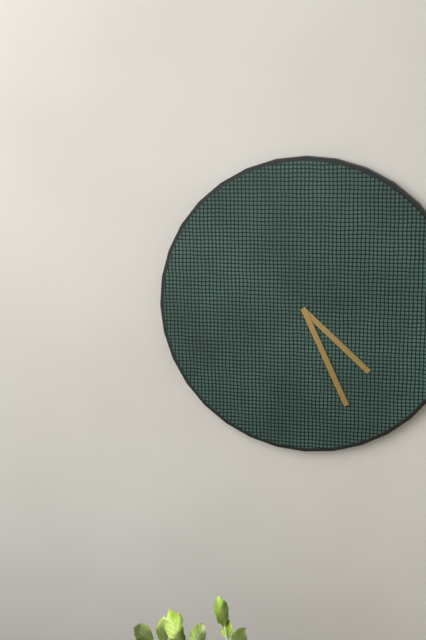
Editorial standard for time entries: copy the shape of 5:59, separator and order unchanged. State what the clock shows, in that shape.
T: 4:26
